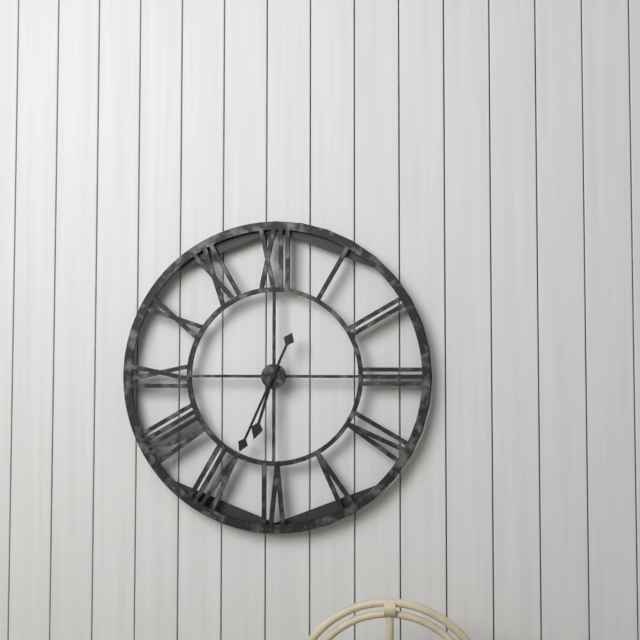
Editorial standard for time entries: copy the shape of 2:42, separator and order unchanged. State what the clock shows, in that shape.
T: 6:34
